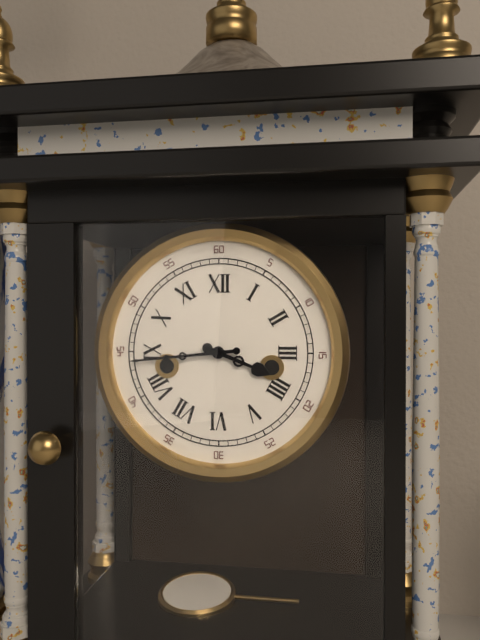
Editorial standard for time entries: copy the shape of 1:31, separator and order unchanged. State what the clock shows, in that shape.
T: 3:44
